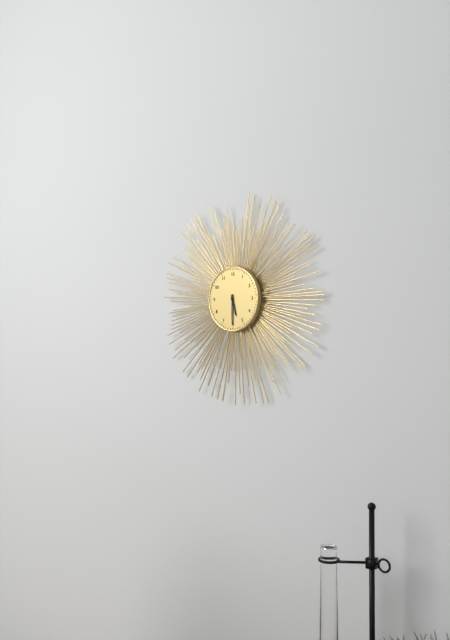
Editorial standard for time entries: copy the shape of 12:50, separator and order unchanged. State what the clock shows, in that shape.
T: 5:30
